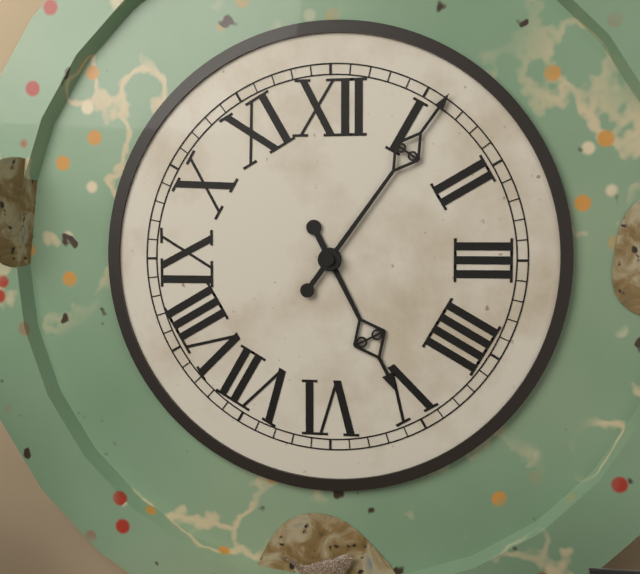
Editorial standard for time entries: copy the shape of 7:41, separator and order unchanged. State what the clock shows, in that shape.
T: 5:06
